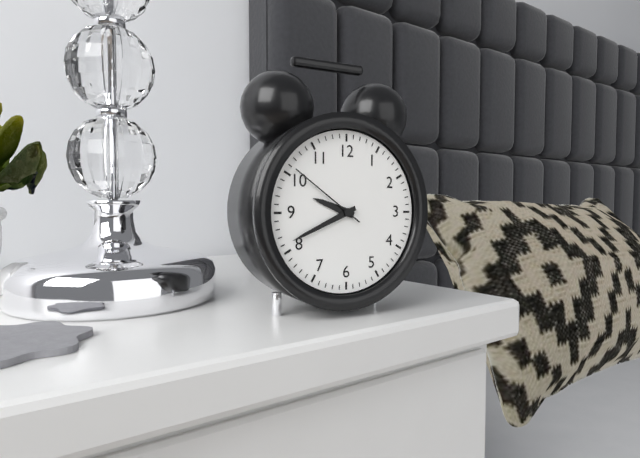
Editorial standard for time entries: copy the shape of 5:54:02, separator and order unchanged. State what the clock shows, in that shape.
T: 9:41:51
